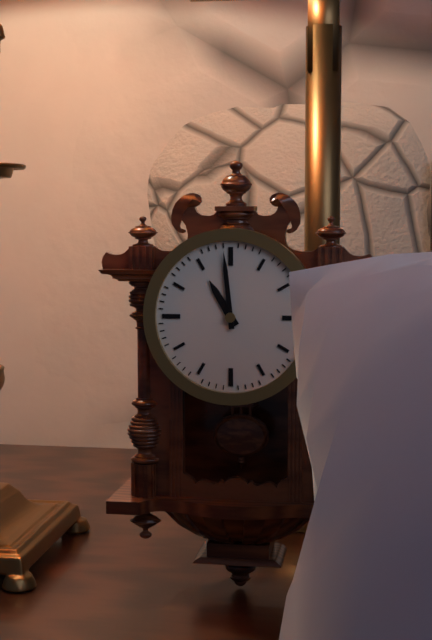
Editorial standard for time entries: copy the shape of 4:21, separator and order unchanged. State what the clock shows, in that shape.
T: 10:59
